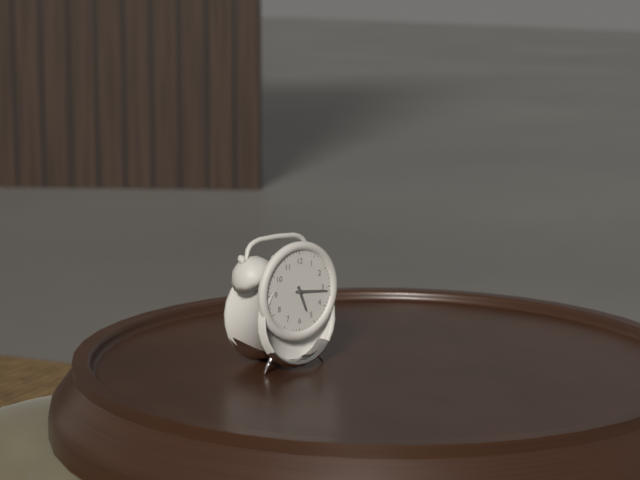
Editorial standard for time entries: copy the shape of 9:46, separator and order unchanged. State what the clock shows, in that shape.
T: 5:16
